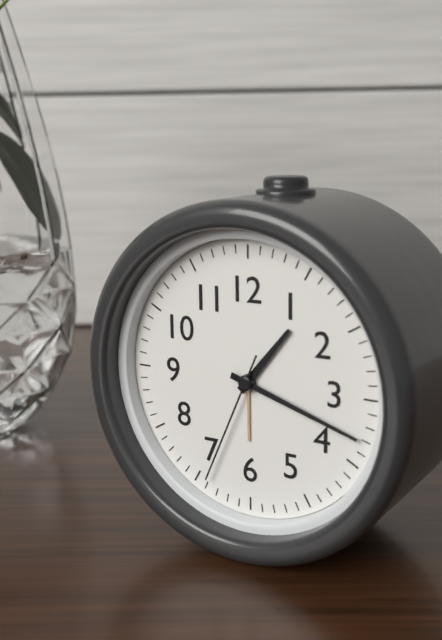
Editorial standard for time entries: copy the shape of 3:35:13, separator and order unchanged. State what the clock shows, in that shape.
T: 1:18:34
